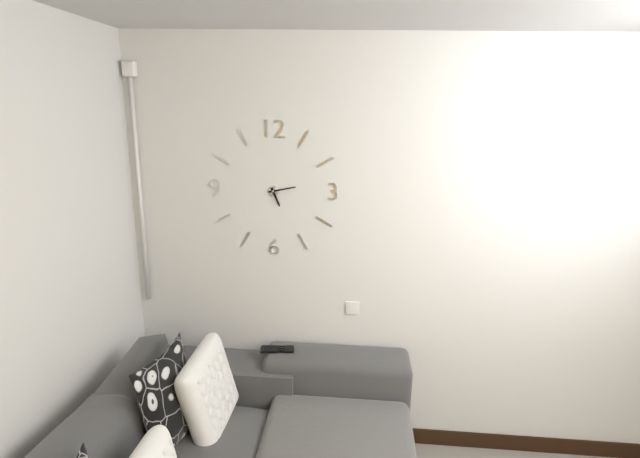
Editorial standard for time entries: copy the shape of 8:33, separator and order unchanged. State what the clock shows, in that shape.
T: 5:13
